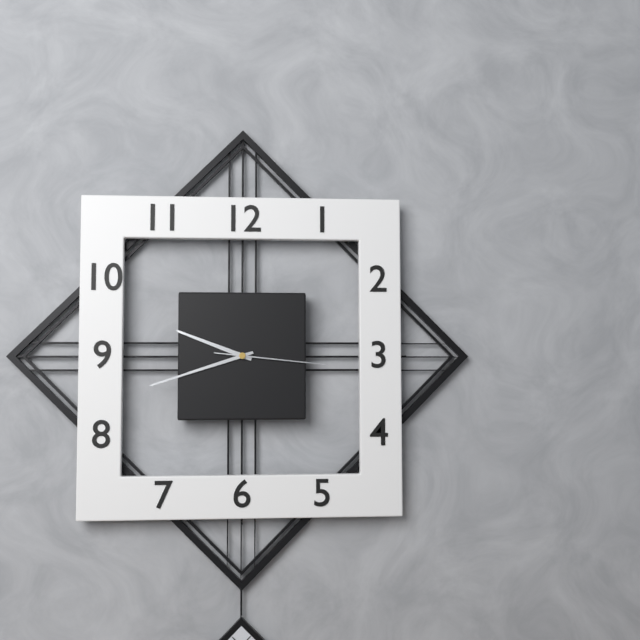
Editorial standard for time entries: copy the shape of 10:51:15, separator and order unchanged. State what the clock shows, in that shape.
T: 9:42:16
